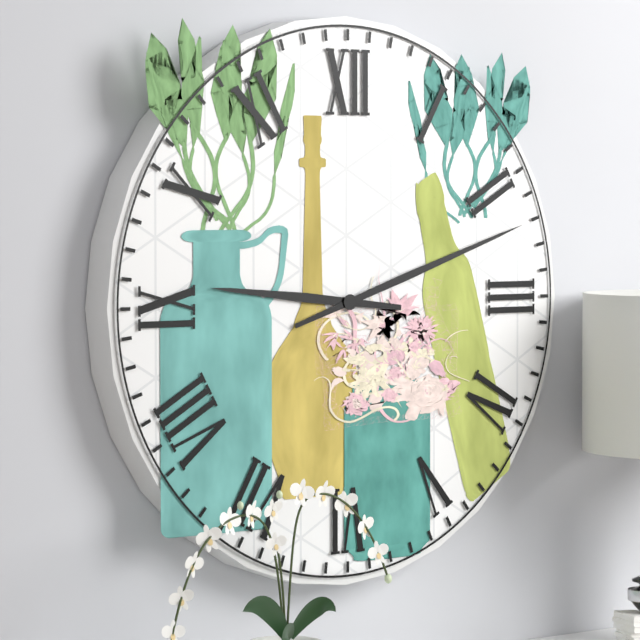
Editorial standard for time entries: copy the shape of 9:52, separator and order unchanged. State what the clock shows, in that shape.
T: 9:12
